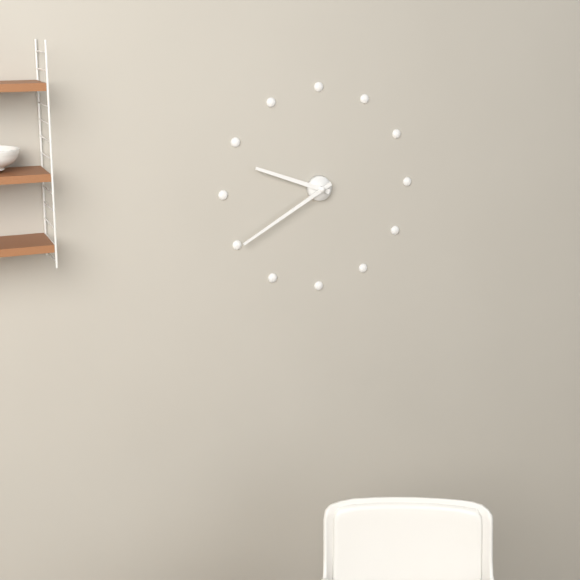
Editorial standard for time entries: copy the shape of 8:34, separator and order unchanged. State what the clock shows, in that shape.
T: 9:40
